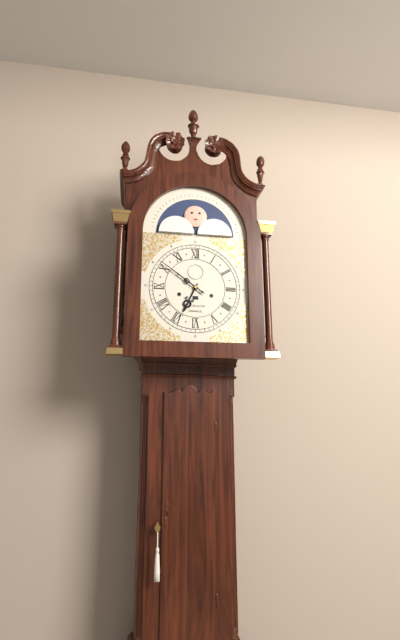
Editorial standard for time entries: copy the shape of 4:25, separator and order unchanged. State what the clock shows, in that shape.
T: 6:51
